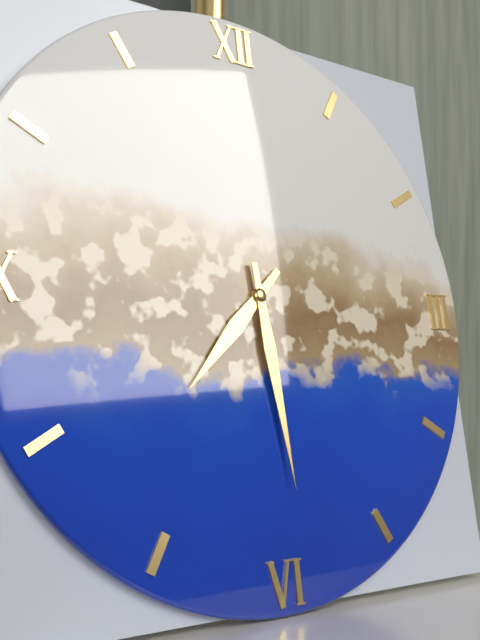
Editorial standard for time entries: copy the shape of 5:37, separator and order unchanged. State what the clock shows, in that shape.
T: 7:29
